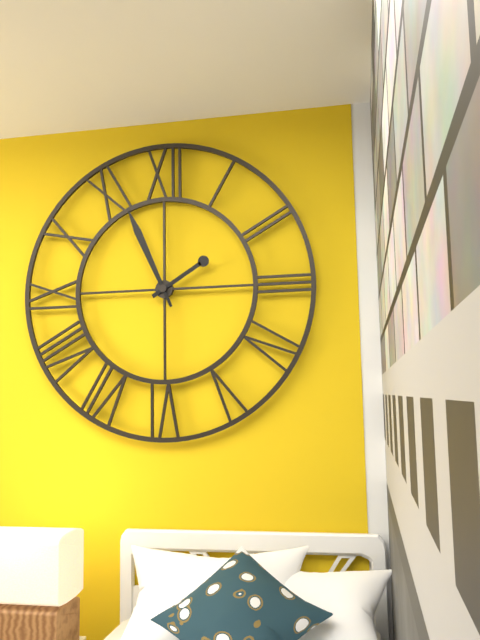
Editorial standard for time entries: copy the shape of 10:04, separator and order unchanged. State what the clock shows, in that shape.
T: 1:56
